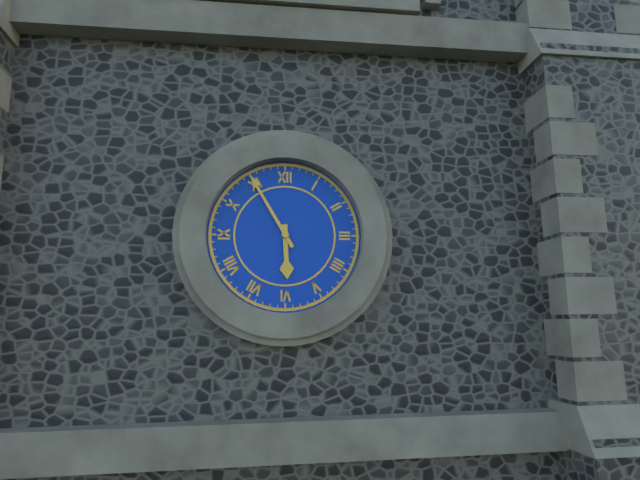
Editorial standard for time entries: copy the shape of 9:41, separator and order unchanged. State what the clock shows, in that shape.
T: 5:55
